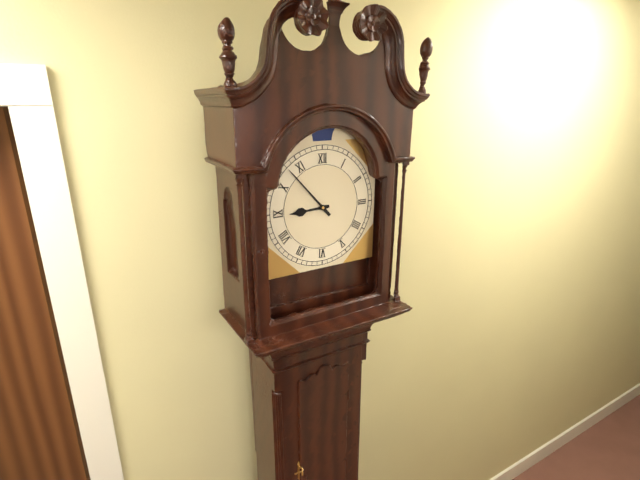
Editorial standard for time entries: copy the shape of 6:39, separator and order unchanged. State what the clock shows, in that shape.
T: 8:53
